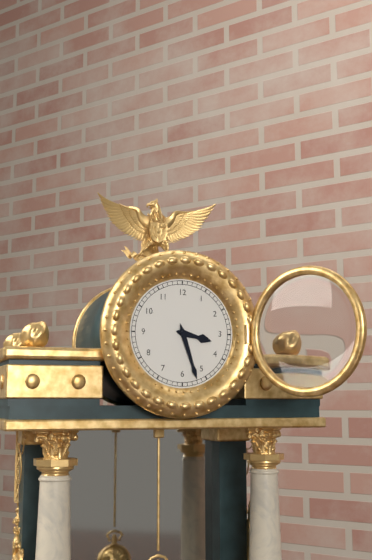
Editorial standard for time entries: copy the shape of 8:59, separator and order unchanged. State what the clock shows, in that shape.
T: 3:27
